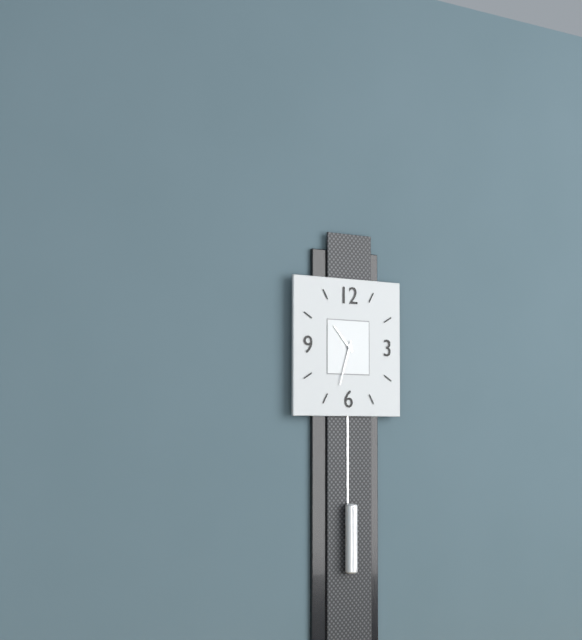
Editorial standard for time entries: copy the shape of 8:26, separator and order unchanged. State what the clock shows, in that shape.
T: 10:33
